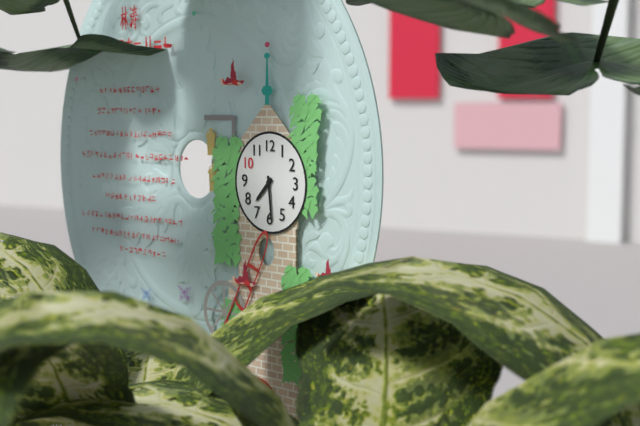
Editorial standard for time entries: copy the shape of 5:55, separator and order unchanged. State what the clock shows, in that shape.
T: 7:29
